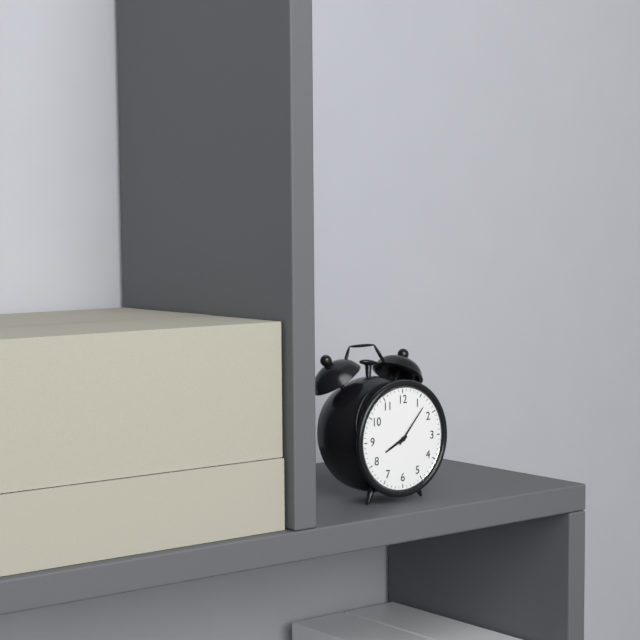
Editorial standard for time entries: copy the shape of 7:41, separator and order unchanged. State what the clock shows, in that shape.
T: 8:07
